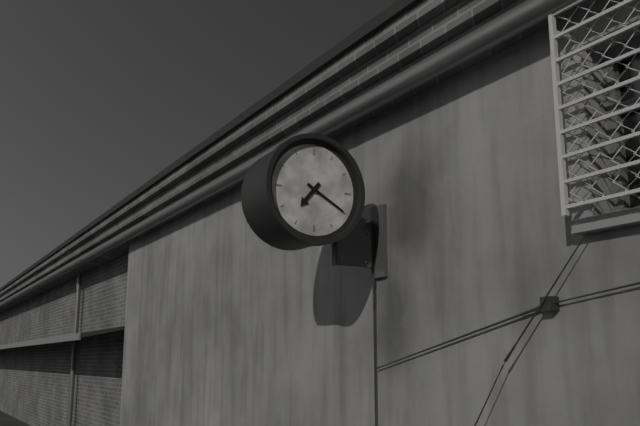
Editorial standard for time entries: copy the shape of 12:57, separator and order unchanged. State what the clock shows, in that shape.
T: 7:20
